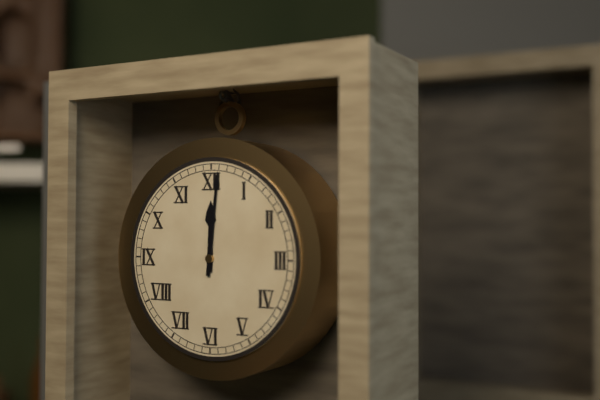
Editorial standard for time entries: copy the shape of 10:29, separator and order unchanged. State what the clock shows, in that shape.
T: 12:01
